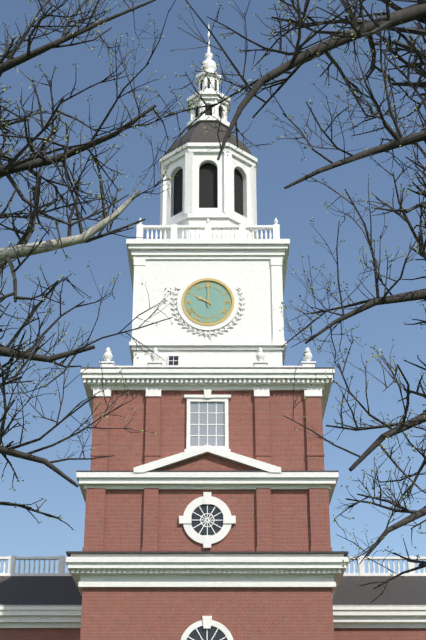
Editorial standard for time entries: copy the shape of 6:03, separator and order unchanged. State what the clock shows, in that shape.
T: 10:00
